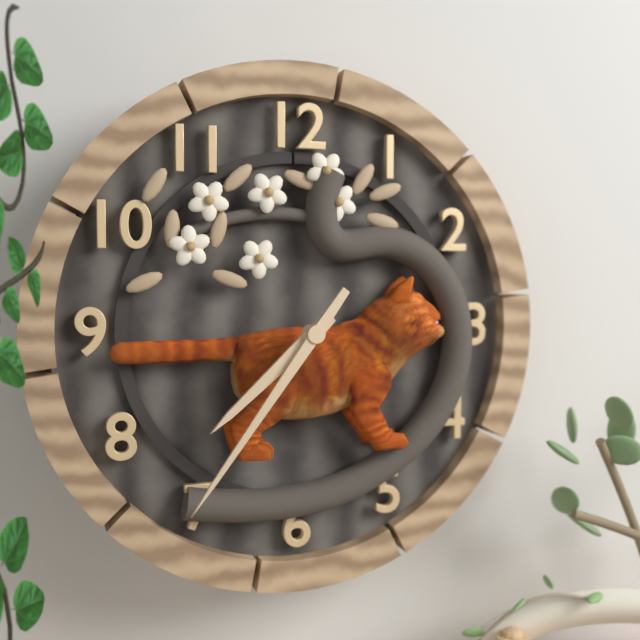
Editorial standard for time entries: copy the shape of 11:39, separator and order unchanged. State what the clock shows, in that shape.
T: 7:36
